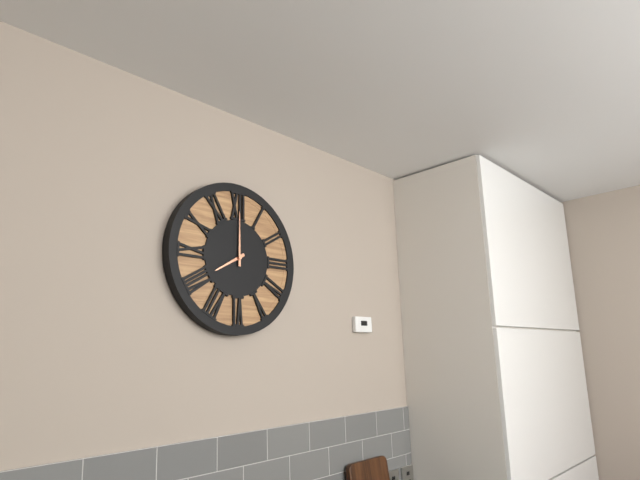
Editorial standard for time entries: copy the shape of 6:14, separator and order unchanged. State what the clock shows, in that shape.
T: 8:00
